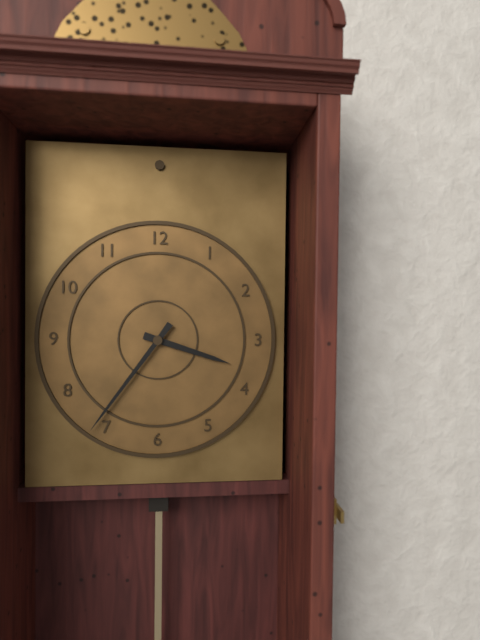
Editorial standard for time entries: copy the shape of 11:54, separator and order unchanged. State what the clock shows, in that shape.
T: 3:36
